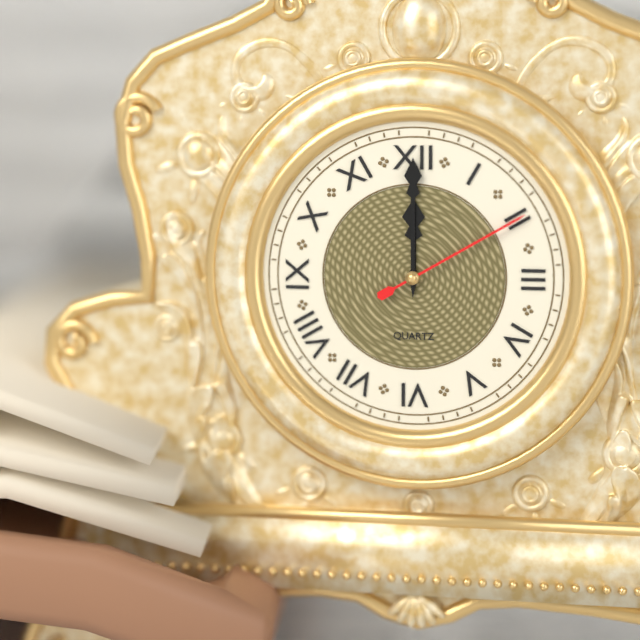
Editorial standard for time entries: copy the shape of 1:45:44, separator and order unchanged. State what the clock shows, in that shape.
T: 12:00:10
